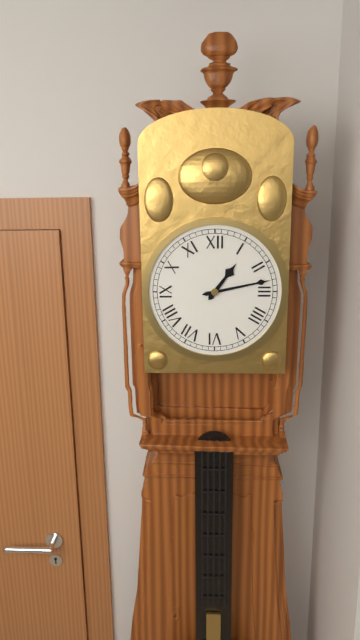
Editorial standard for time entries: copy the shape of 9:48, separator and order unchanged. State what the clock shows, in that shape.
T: 1:13
